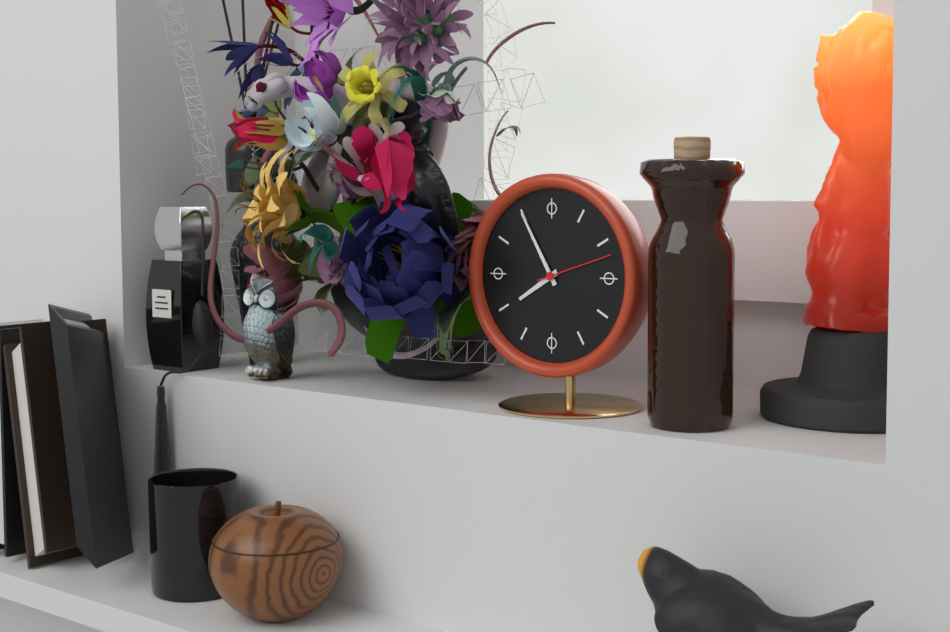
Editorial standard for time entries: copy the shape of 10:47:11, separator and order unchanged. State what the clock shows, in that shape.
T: 7:55:12
